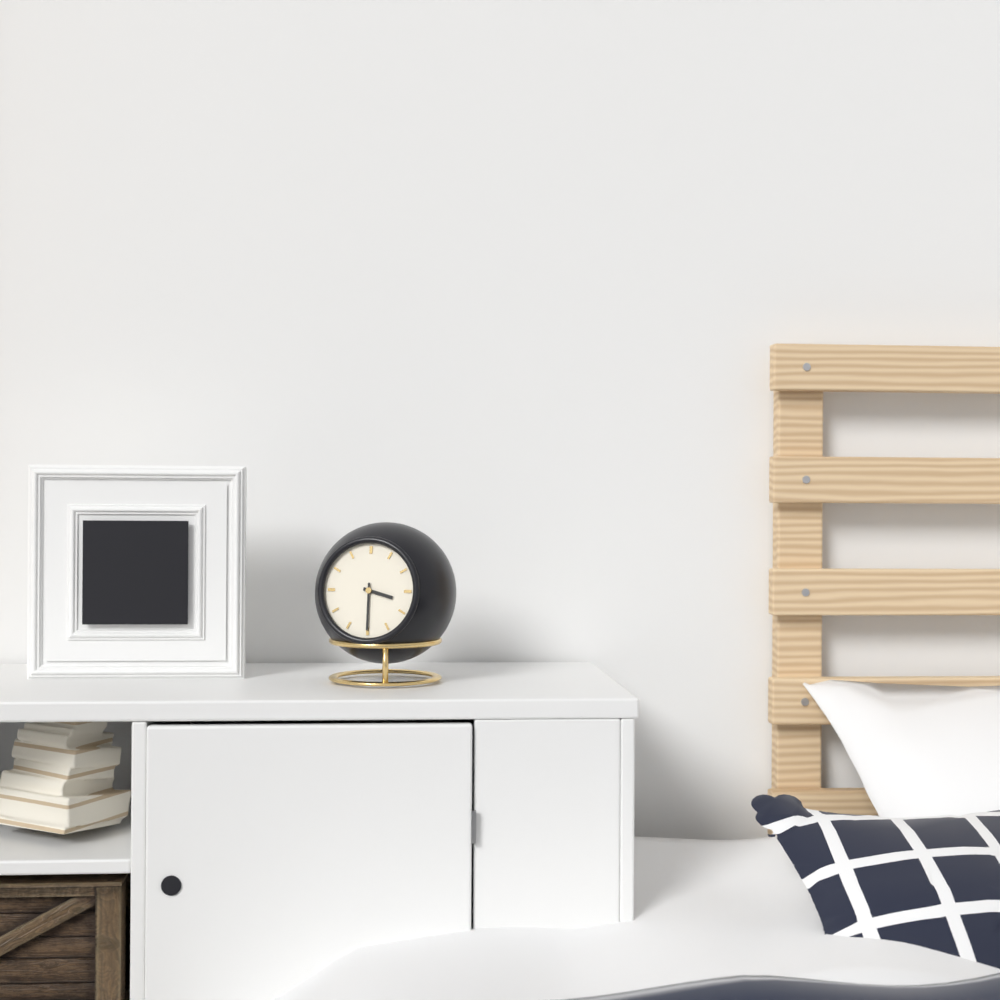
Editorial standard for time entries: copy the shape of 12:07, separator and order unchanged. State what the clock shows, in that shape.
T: 3:30
